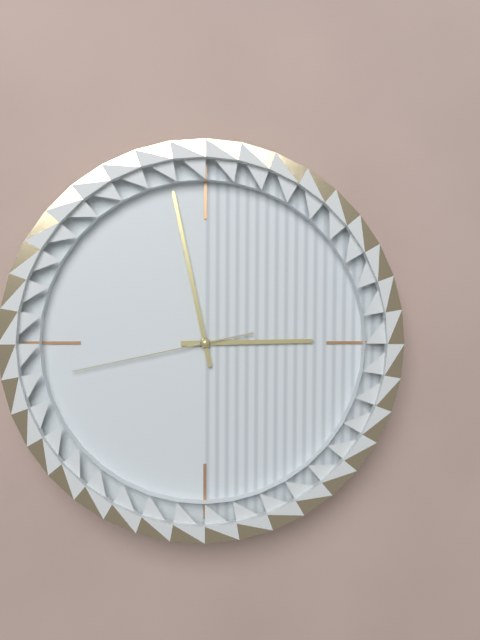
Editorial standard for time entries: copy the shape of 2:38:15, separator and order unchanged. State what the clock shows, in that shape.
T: 2:58:43
